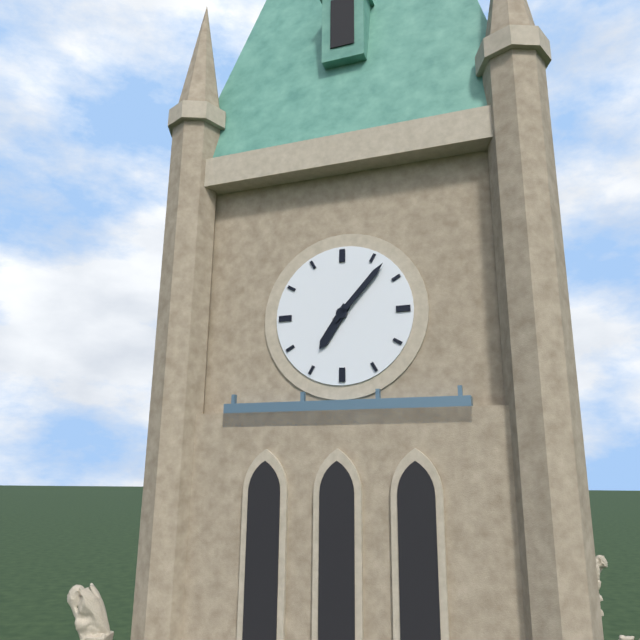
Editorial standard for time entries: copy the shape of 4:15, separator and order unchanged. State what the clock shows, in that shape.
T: 7:07
